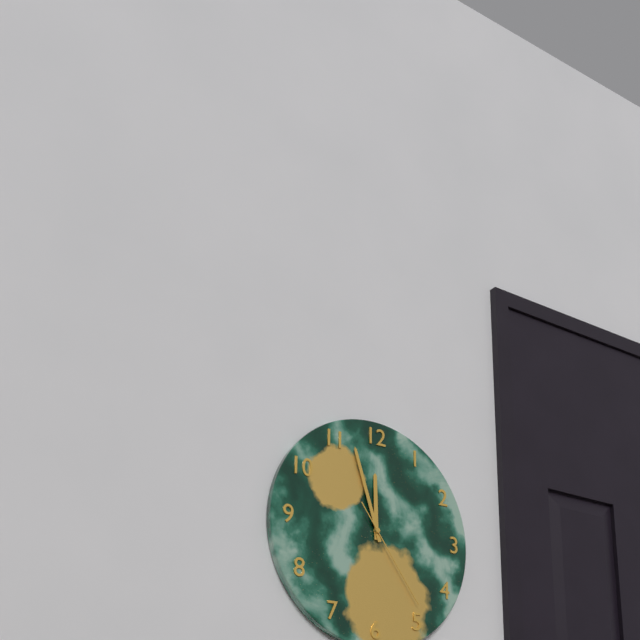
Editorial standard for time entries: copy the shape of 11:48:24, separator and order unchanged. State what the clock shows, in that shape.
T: 11:57:24
